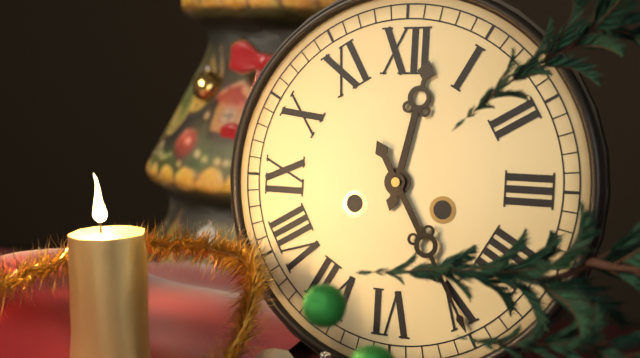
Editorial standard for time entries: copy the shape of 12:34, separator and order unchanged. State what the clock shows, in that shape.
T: 12:25
